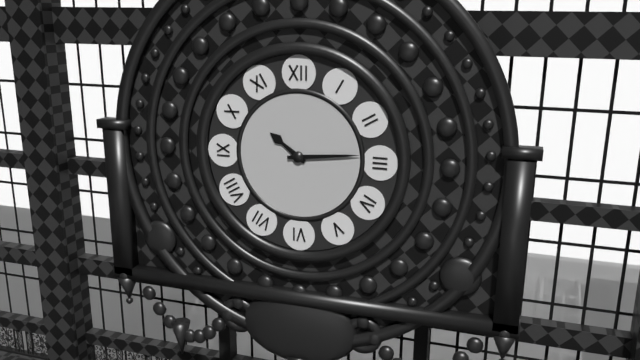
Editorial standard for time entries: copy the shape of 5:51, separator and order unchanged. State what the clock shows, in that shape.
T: 10:14
